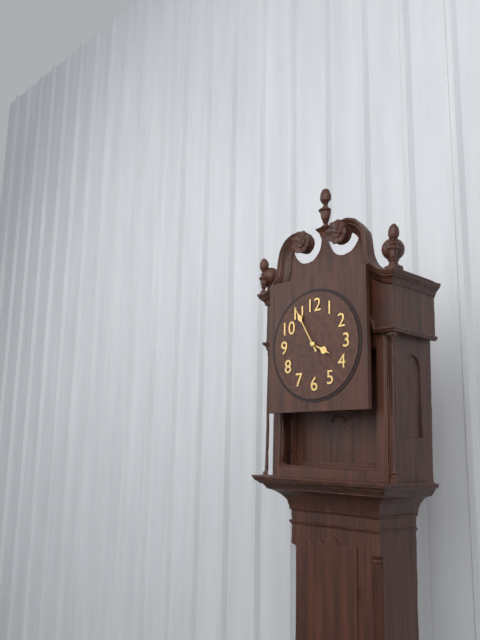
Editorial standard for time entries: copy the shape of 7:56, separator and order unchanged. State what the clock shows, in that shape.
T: 3:55
